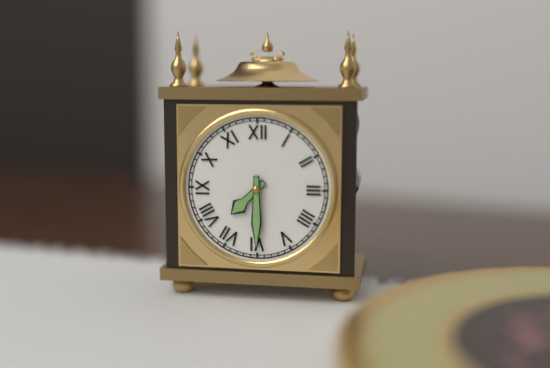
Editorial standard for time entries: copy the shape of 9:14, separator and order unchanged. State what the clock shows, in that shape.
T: 7:30
